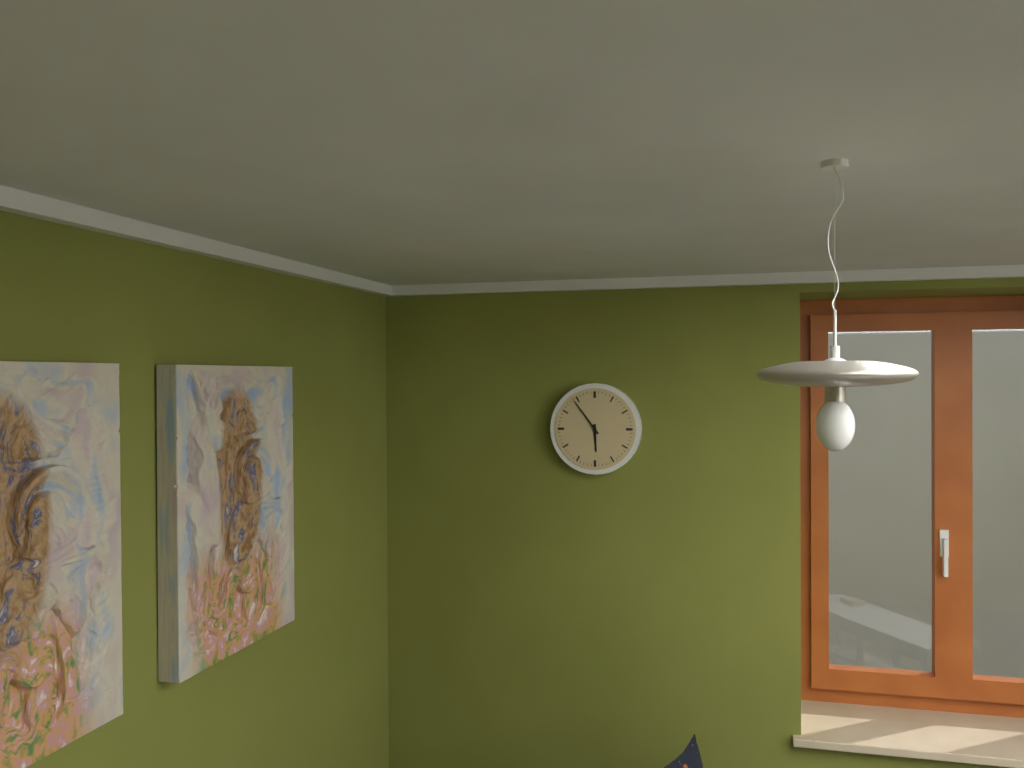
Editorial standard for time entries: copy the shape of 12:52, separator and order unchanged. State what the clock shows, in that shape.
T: 5:54
